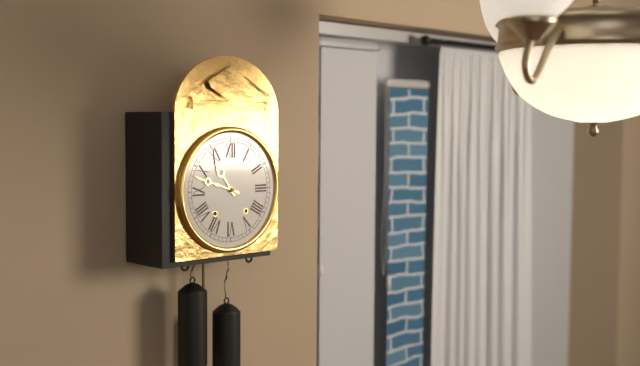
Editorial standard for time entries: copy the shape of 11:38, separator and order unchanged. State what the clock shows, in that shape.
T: 10:48
